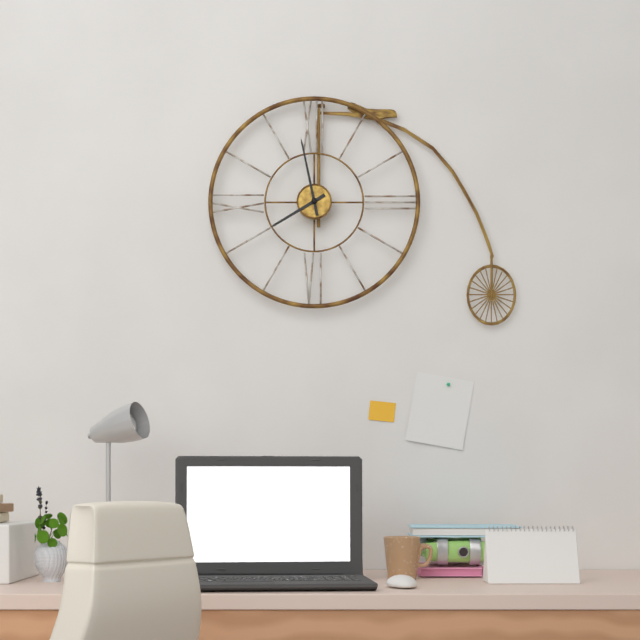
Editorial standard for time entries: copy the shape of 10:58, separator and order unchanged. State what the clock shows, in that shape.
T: 7:58
